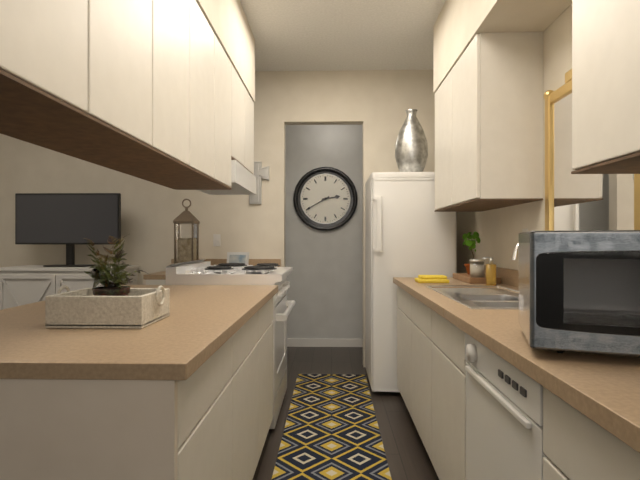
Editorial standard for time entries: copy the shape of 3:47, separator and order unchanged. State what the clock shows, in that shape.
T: 2:40
